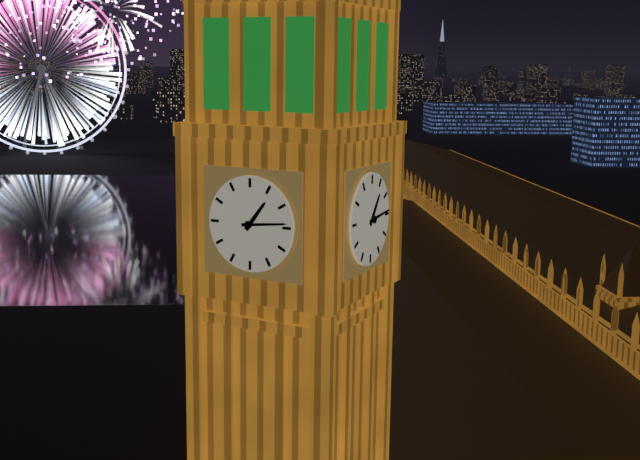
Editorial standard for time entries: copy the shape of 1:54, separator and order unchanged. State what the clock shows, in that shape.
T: 1:14
